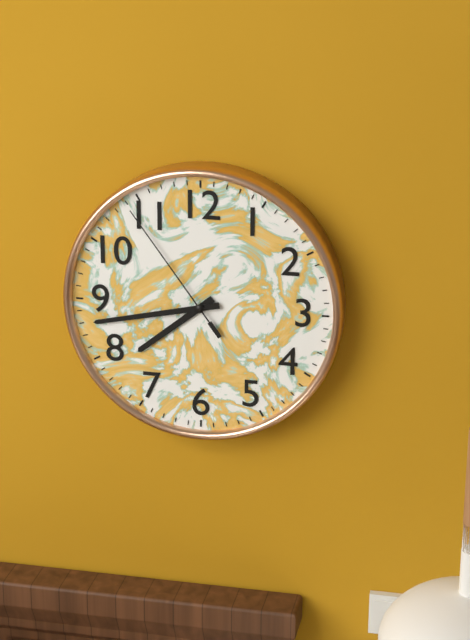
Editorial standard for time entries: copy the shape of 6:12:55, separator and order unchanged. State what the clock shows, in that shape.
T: 7:43:54
